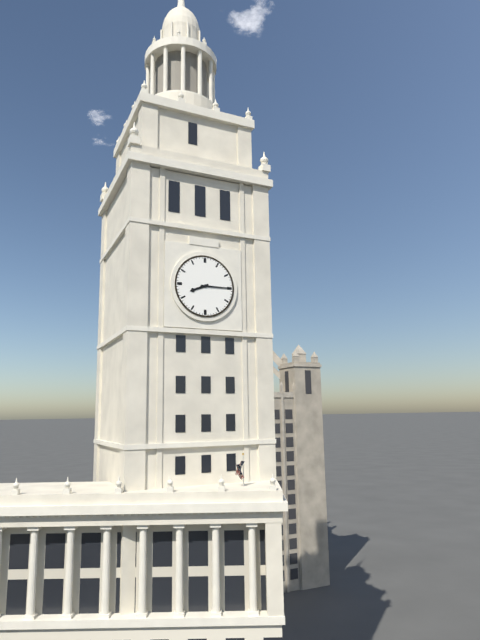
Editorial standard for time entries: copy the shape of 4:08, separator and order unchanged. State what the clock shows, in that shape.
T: 8:15
